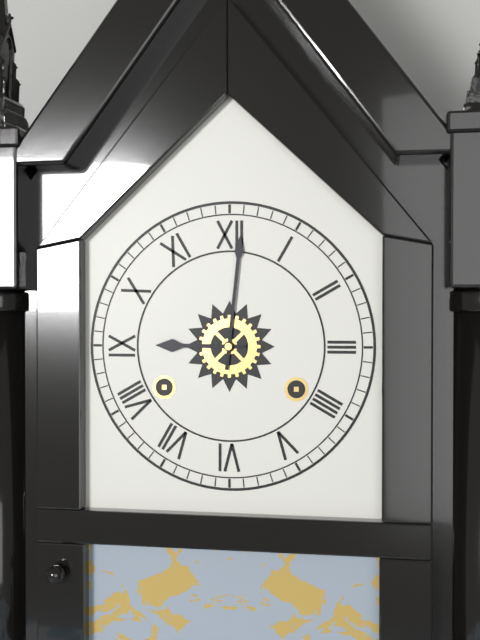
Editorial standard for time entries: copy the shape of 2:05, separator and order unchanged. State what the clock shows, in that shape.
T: 9:01
